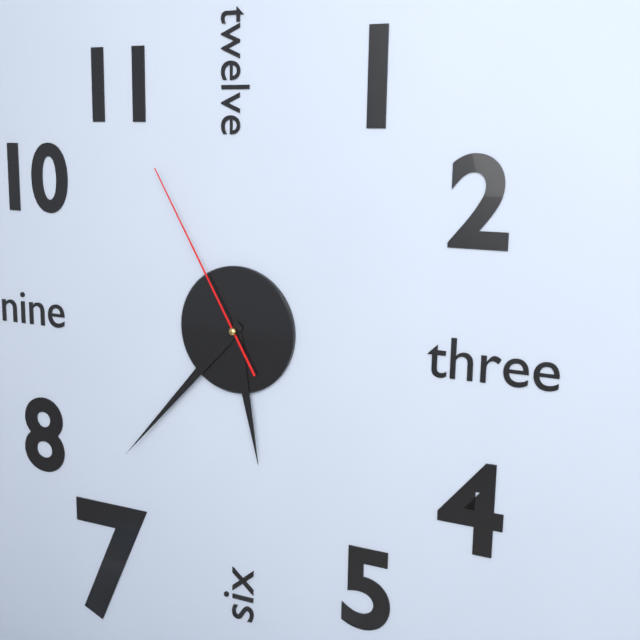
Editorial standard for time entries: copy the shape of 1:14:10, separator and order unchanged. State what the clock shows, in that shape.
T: 5:37:55
